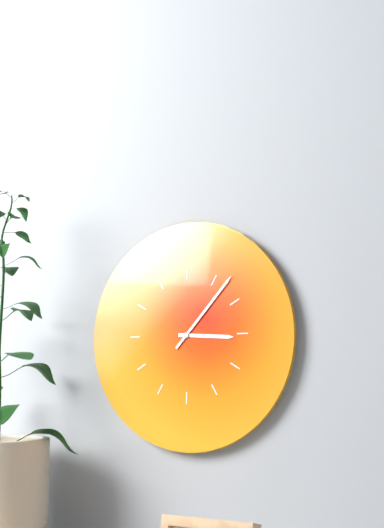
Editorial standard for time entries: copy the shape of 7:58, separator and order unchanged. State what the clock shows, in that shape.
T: 3:07
